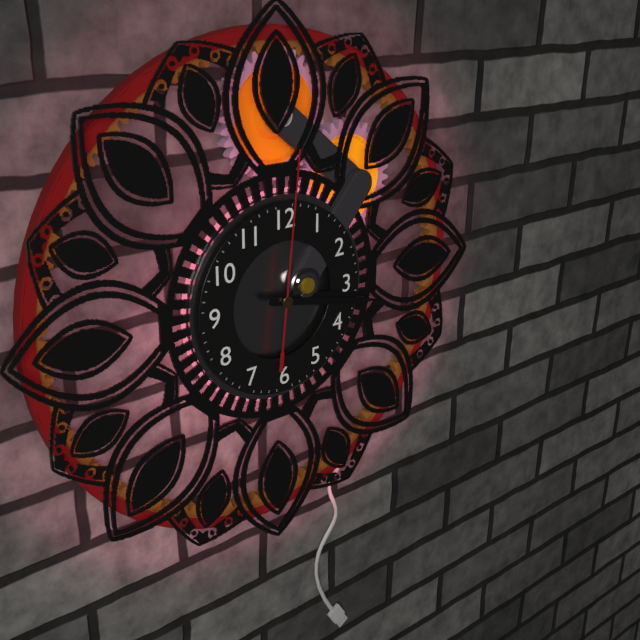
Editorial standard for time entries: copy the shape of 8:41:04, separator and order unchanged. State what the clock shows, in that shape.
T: 3:17:01
